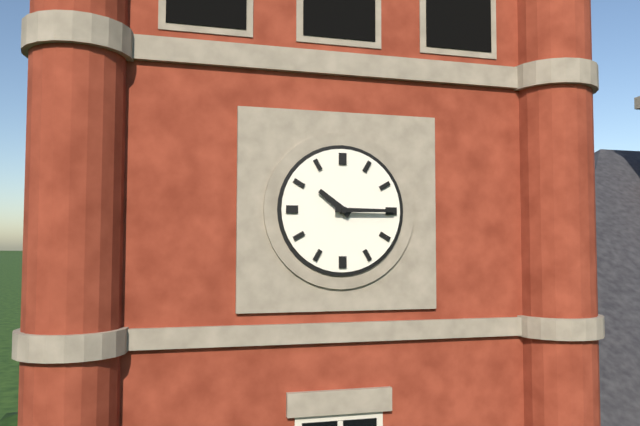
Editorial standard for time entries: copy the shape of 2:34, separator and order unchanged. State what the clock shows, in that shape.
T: 10:15
